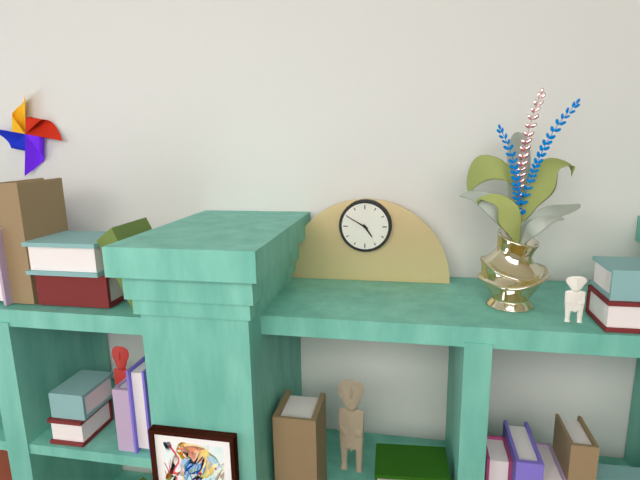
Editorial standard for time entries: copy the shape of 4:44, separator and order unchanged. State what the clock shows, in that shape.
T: 4:50
